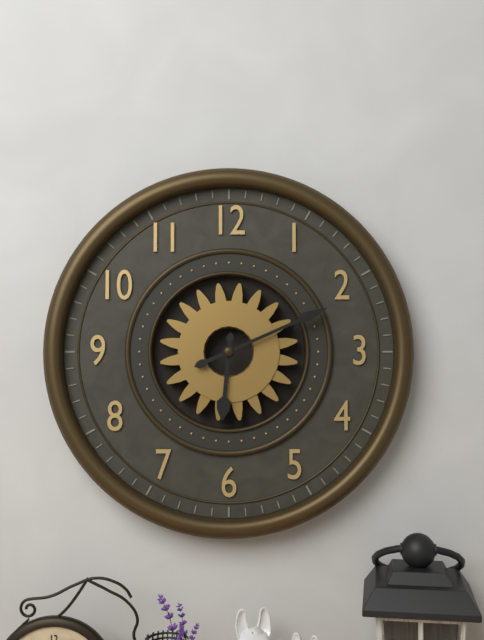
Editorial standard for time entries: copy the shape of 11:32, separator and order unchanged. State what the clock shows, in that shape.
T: 6:11
